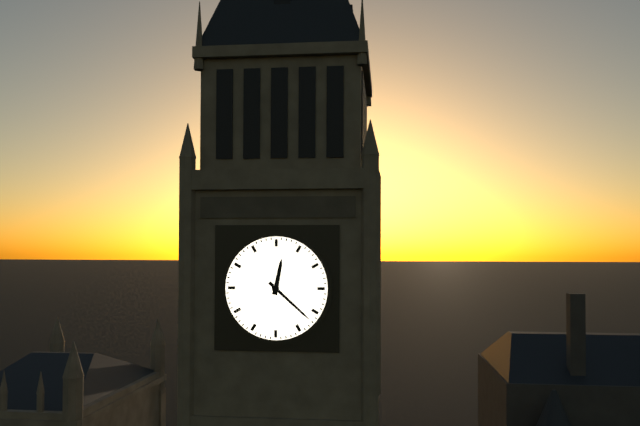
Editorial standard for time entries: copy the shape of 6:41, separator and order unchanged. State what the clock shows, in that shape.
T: 12:22
